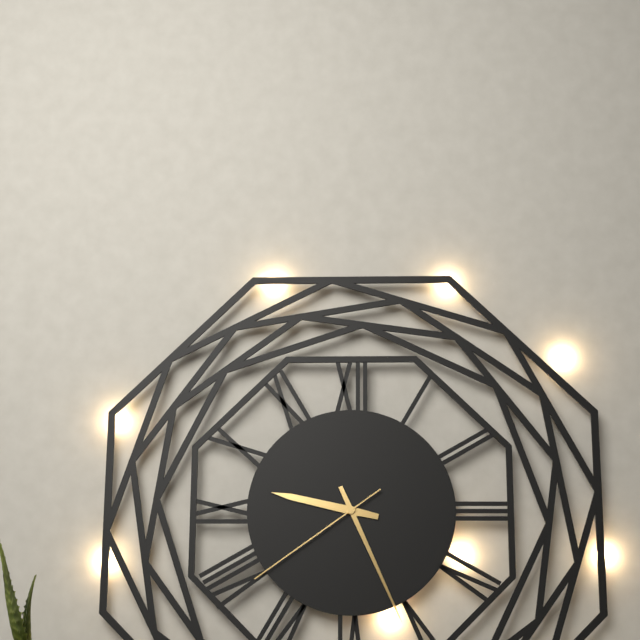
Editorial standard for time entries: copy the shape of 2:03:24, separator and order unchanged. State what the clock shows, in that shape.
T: 9:26:39
